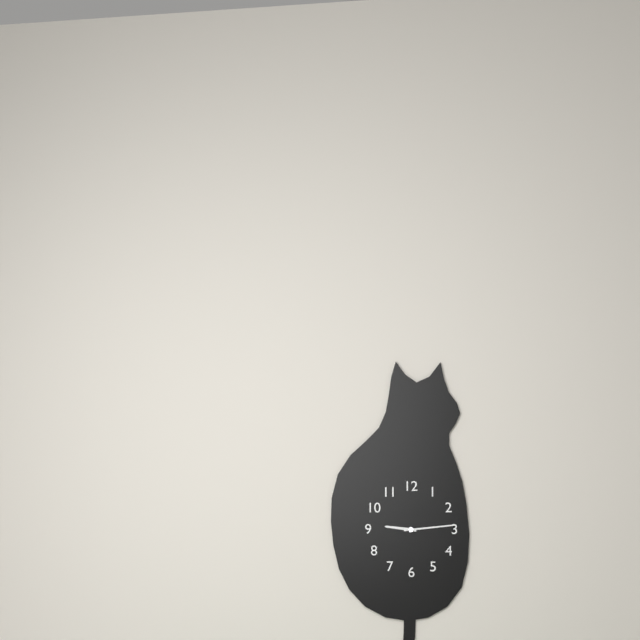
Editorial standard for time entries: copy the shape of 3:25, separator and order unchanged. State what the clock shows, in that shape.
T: 9:14
